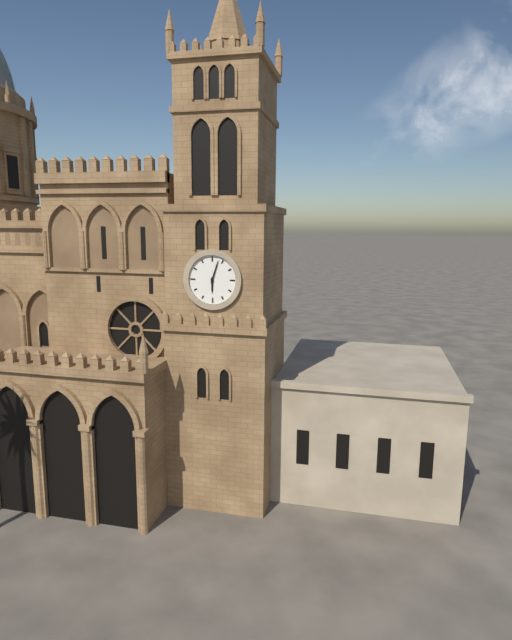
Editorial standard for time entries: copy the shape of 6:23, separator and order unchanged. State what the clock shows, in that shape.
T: 6:03
